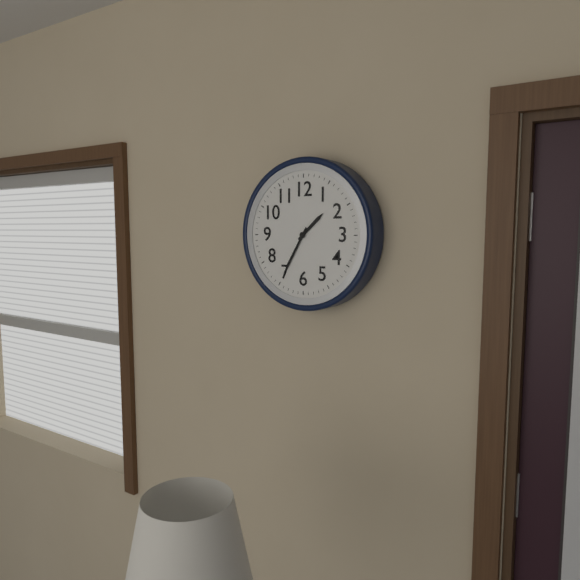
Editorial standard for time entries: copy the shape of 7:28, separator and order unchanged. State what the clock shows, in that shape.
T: 1:35
